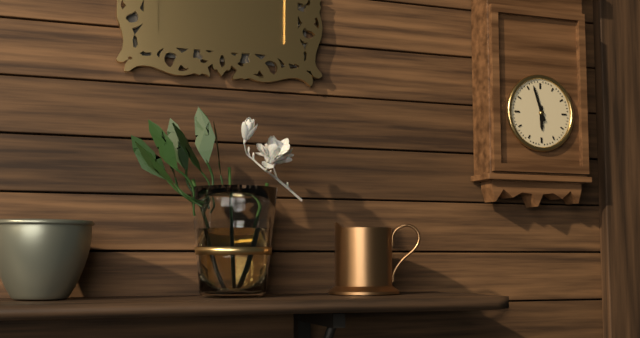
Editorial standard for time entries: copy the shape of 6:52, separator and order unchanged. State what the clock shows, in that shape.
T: 5:57
